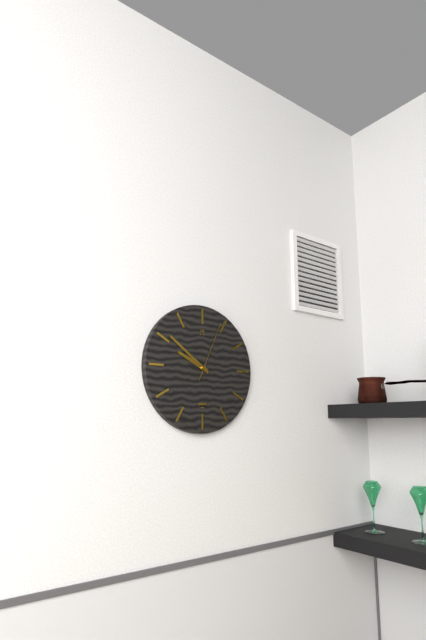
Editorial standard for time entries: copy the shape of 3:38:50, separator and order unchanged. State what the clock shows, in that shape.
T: 9:51:04
